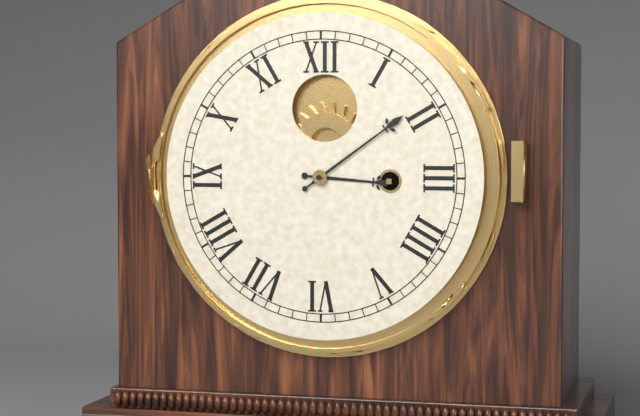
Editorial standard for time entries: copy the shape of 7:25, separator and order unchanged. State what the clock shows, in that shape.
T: 3:09
